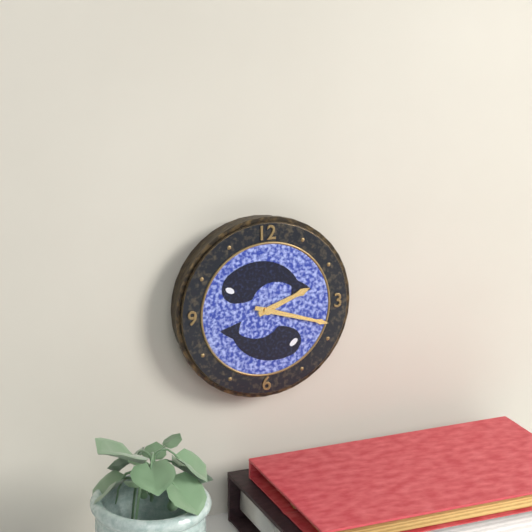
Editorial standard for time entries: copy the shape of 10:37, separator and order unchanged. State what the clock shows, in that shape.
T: 2:18
